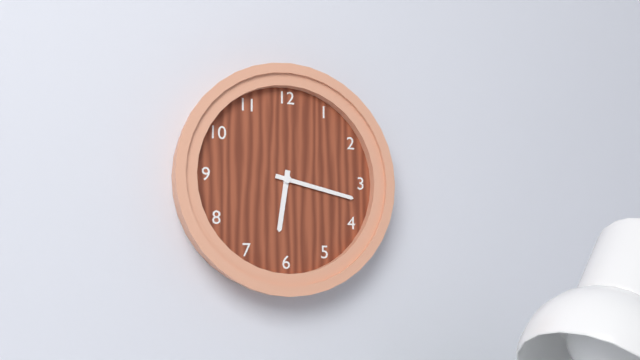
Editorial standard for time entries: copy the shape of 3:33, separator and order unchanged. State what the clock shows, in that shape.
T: 6:17
